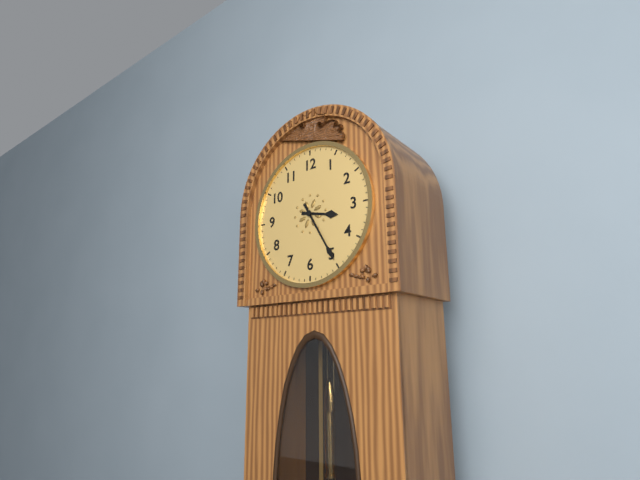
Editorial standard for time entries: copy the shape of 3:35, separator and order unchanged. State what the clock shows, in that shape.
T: 3:25
